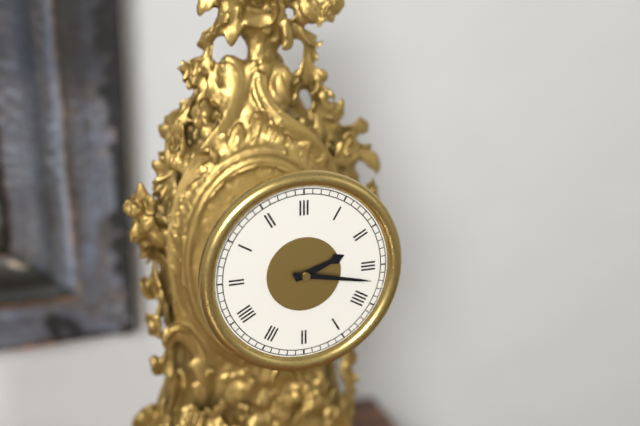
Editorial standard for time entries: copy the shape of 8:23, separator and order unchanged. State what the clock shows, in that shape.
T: 2:17
